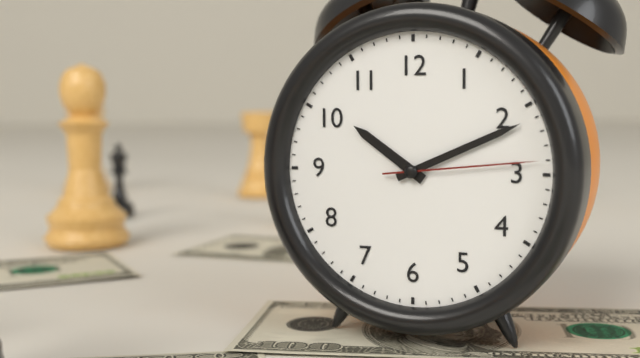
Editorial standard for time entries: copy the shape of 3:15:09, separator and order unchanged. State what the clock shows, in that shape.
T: 10:11:14
